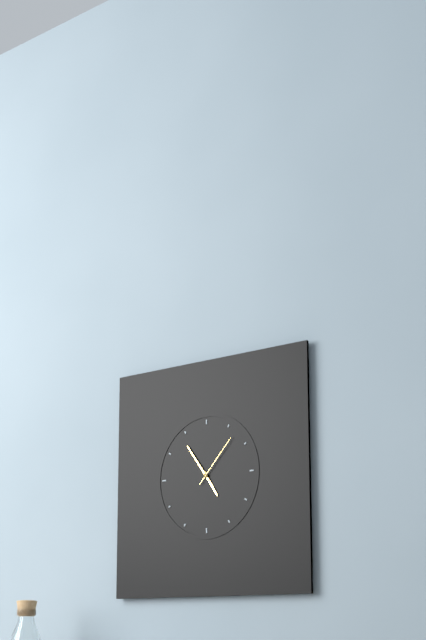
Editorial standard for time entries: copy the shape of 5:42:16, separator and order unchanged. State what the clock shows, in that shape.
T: 4:54:07
